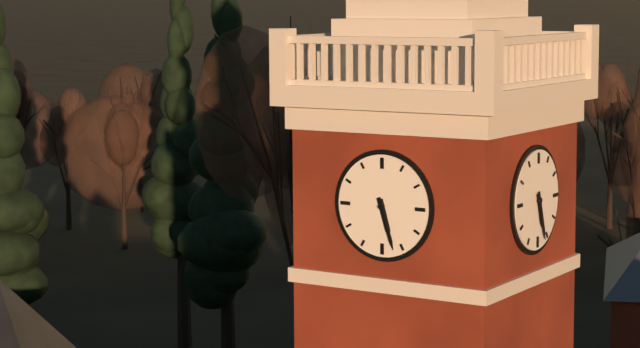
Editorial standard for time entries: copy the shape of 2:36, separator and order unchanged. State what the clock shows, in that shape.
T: 5:27
